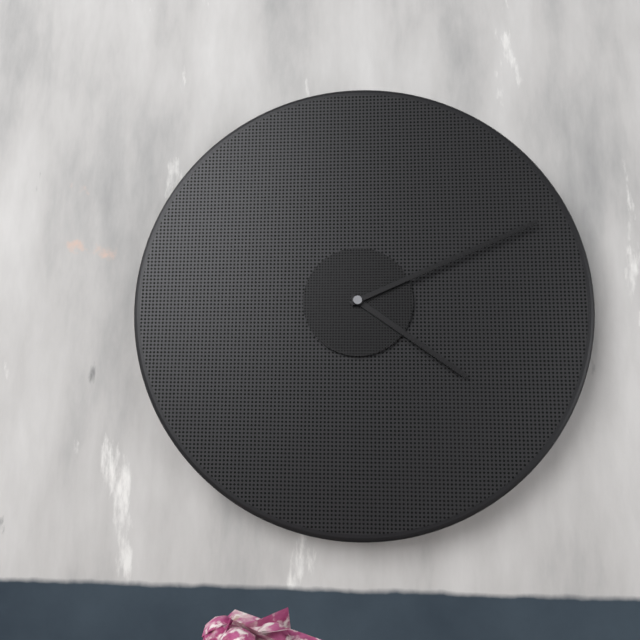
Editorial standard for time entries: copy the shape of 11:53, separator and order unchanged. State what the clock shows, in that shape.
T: 4:11
